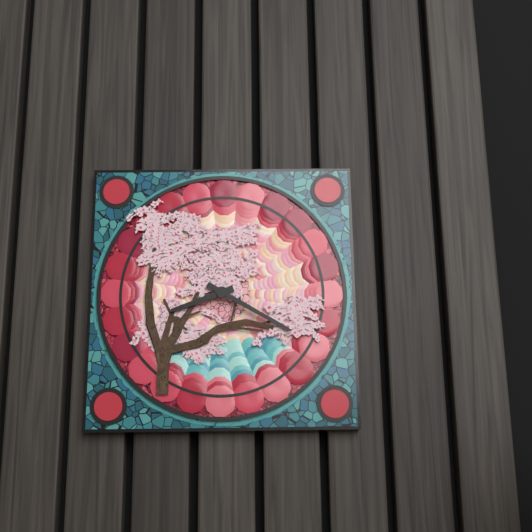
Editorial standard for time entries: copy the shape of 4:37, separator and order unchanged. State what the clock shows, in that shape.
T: 8:20
